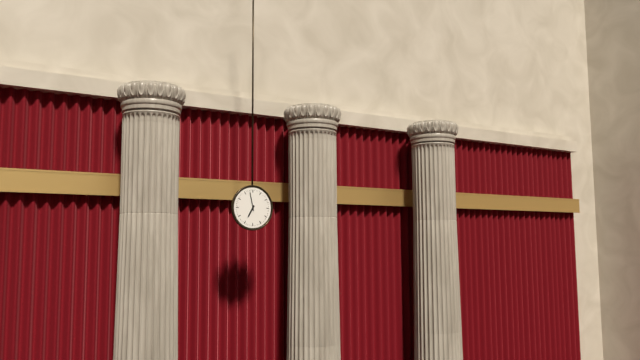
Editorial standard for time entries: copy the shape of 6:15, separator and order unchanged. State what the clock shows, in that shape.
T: 6:58
